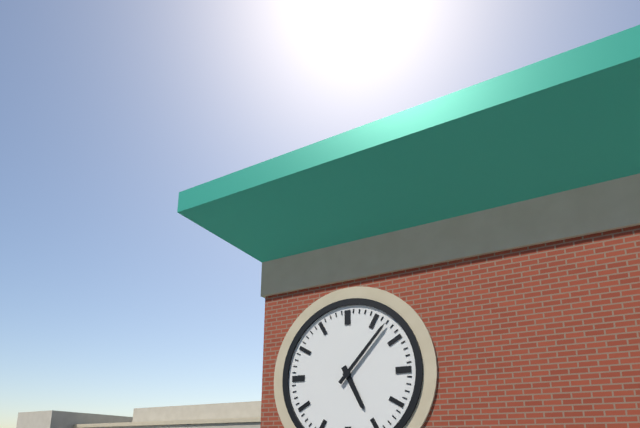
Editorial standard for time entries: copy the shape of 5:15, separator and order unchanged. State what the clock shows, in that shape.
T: 5:07
